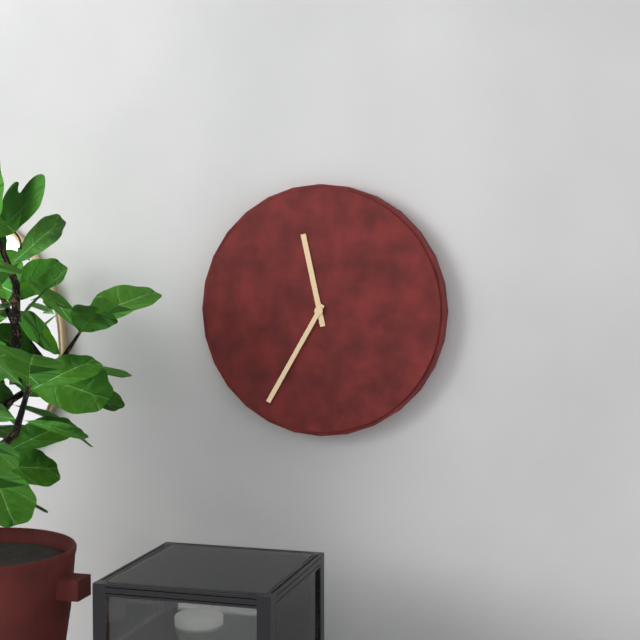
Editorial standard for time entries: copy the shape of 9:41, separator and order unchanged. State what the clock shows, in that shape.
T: 11:35
